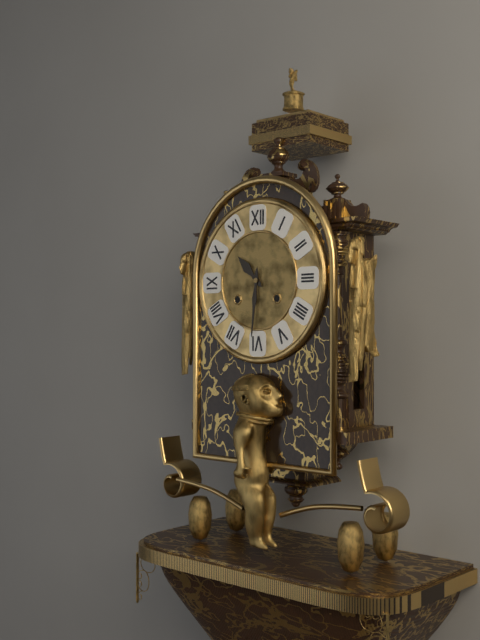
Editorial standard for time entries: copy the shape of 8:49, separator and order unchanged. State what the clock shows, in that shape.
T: 10:31
